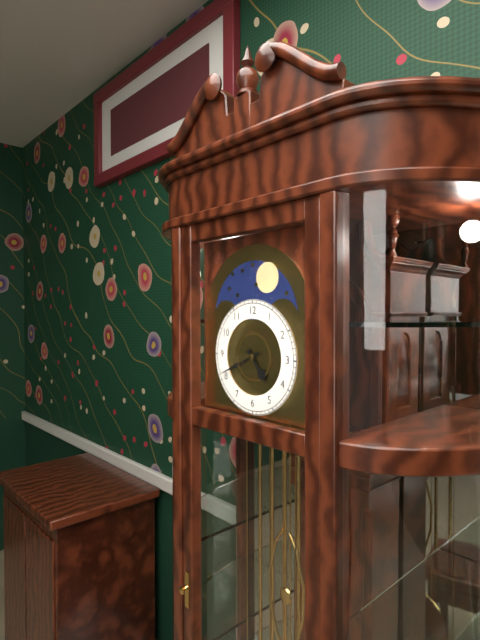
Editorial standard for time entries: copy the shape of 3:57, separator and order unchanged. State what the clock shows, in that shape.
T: 4:41
